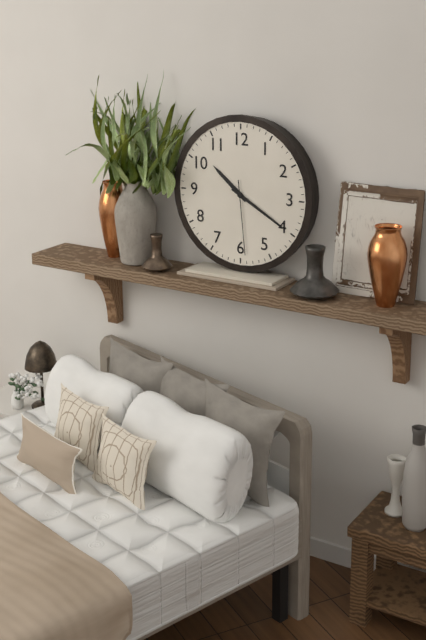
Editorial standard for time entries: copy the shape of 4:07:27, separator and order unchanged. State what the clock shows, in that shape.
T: 10:20:29
